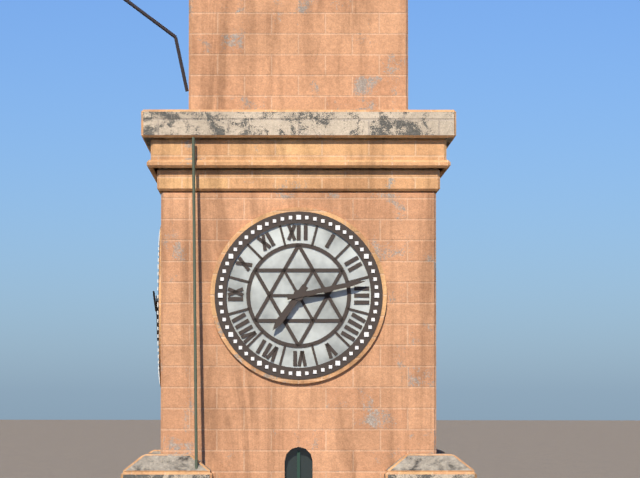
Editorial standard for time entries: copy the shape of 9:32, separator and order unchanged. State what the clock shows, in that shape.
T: 7:13
